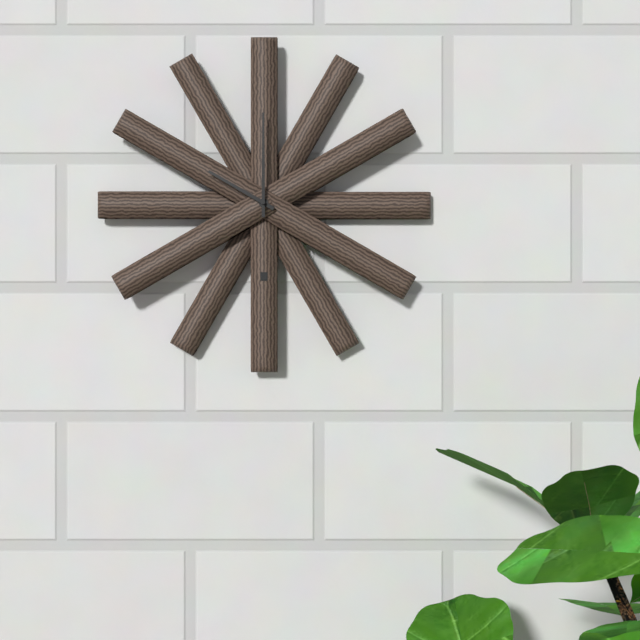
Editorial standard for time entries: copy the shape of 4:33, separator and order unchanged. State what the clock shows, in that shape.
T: 10:00
